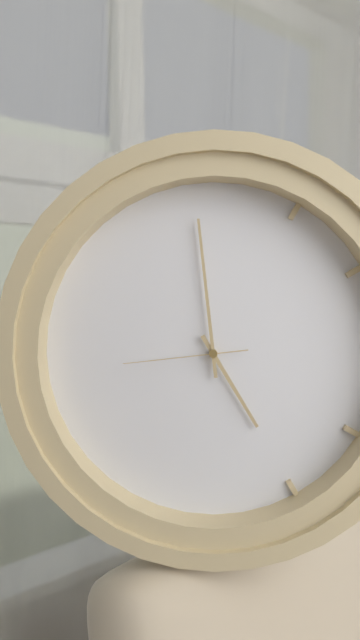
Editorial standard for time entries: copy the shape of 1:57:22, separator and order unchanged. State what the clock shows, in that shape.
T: 4:59:44
